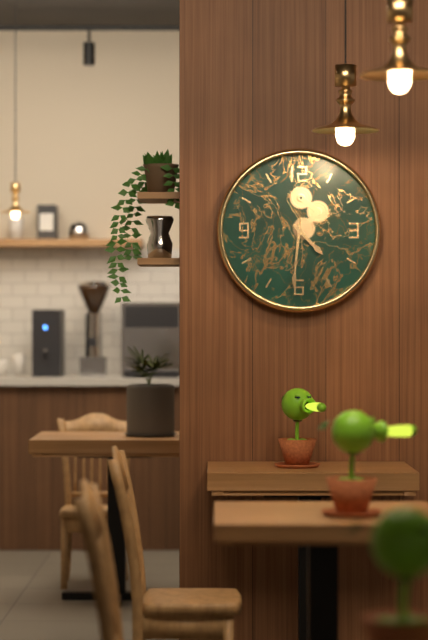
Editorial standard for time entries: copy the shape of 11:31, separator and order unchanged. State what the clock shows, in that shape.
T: 4:31
